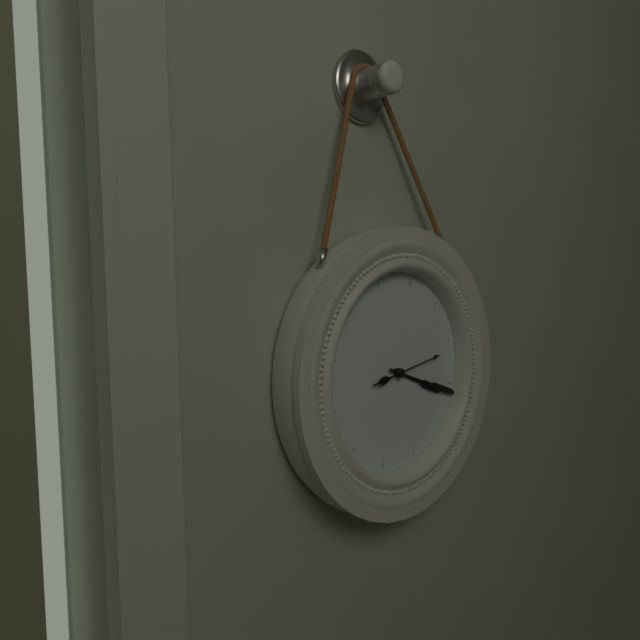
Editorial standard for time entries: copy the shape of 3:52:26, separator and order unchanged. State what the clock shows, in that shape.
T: 3:16:11
